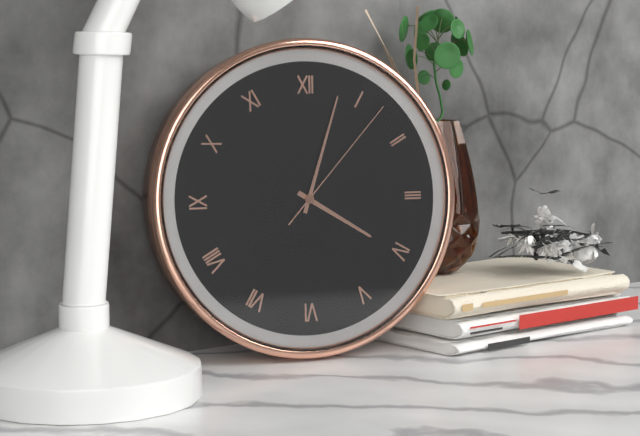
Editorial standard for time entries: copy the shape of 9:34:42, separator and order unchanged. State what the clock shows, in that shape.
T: 4:03:07
